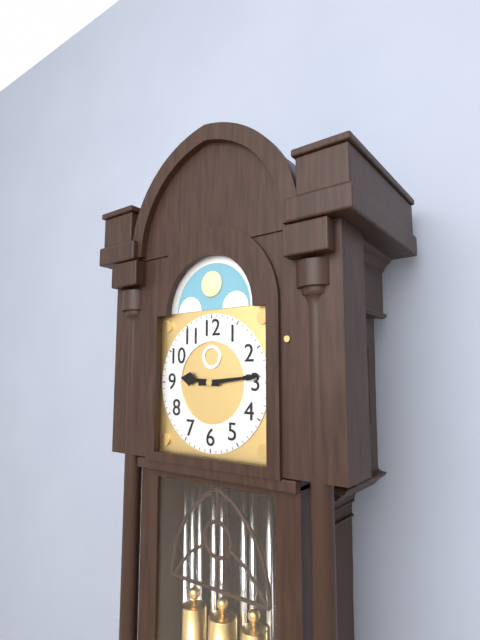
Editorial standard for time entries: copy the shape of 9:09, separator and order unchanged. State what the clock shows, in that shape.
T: 9:14
